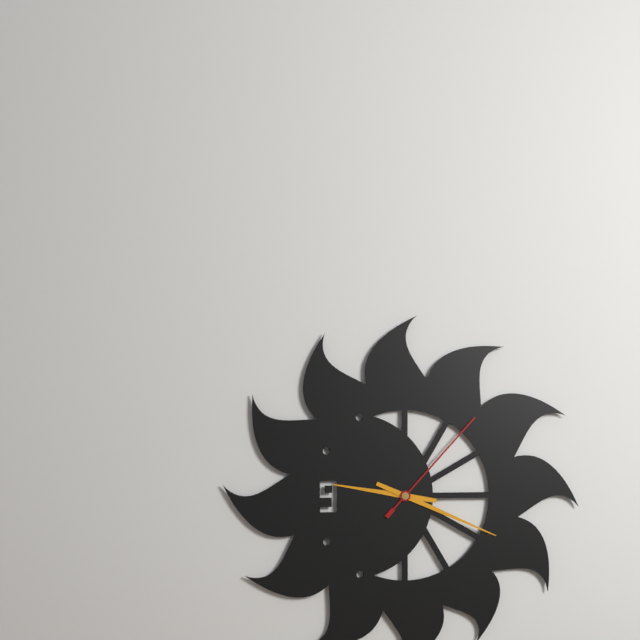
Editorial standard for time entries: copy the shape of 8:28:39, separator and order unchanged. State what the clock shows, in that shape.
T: 9:19:07
